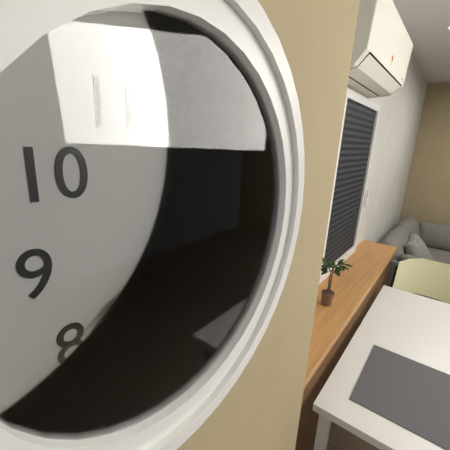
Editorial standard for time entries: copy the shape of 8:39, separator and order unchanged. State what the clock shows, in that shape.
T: 6:40
